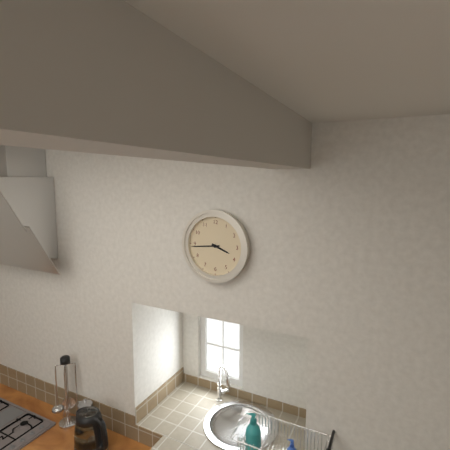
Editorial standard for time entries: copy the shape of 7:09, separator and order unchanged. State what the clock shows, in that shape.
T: 3:44
